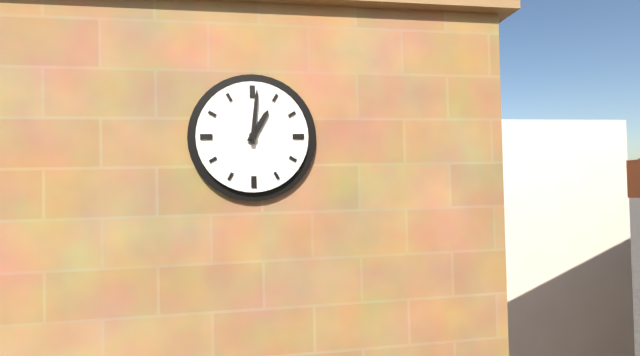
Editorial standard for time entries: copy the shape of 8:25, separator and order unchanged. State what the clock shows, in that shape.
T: 1:01
